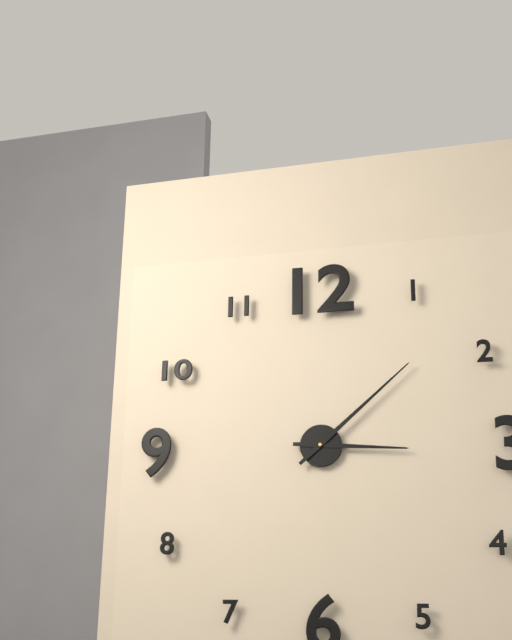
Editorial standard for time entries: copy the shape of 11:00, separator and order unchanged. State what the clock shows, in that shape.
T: 3:08
